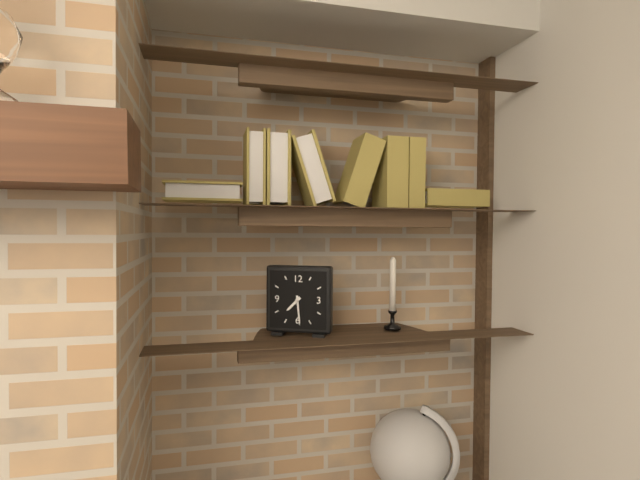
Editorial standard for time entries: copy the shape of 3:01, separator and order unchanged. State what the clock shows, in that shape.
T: 7:29
